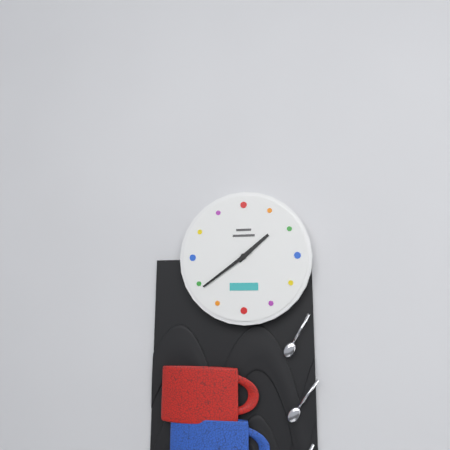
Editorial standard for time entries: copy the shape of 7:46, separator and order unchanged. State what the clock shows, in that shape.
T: 1:39
